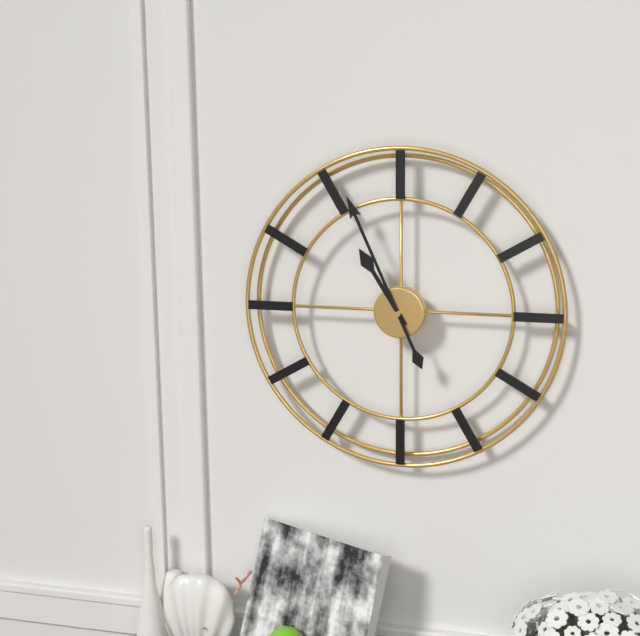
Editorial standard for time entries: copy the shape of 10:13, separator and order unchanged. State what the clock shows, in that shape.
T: 10:56
